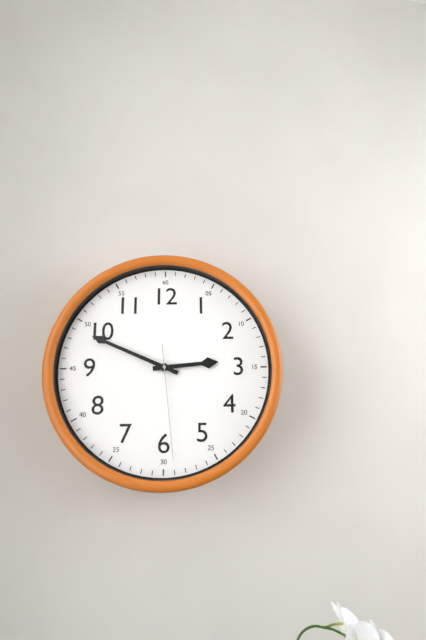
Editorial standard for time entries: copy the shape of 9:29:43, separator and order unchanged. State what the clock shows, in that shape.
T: 2:49:29
